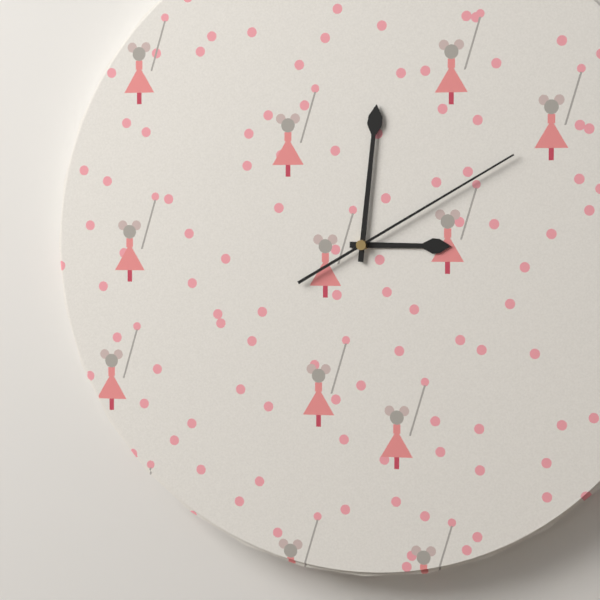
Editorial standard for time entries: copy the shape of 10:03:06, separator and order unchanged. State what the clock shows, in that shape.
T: 3:01:10
